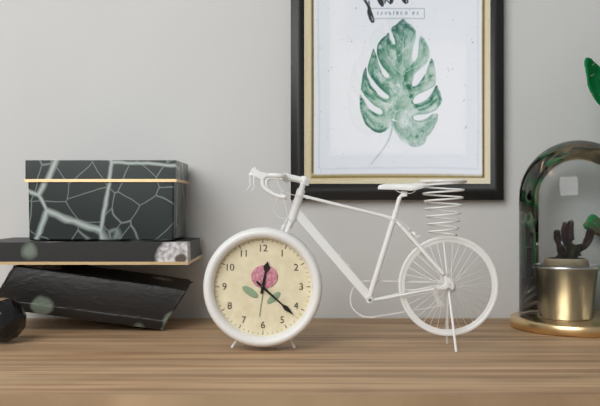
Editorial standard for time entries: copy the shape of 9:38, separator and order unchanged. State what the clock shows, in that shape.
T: 12:22
